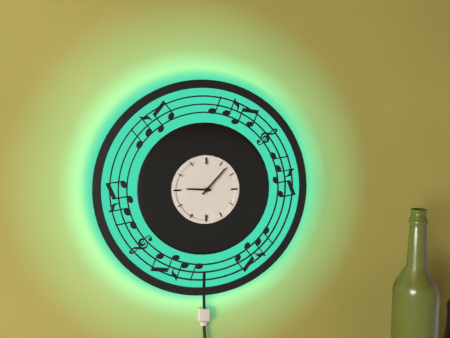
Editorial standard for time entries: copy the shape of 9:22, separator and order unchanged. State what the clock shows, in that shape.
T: 9:07
